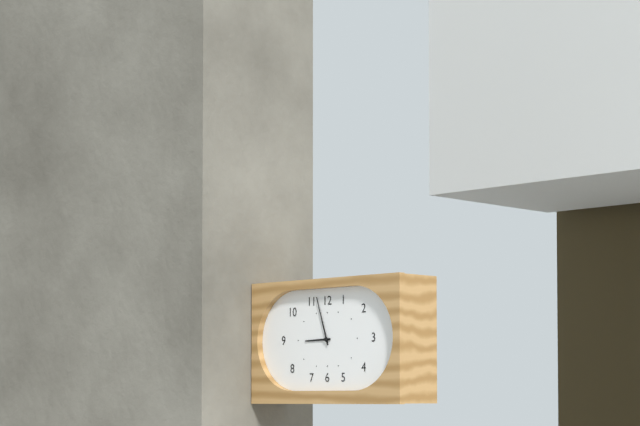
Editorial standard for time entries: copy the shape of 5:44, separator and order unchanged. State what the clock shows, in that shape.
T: 8:57
